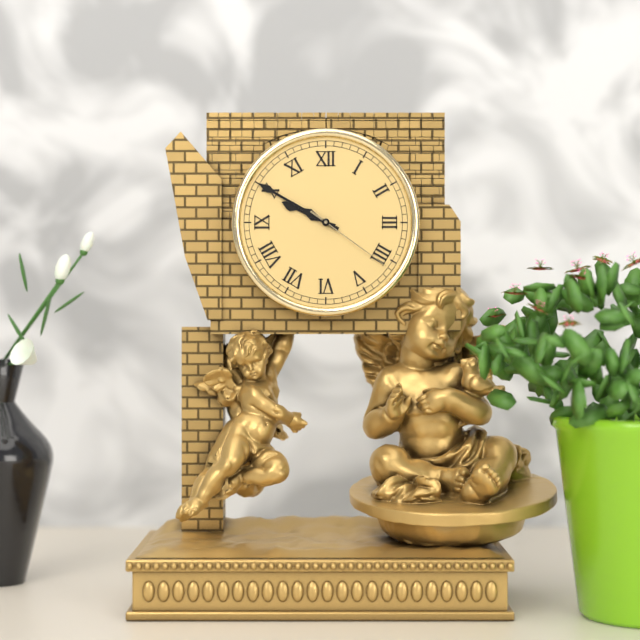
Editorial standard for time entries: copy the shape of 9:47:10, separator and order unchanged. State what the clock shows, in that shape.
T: 9:50:21
